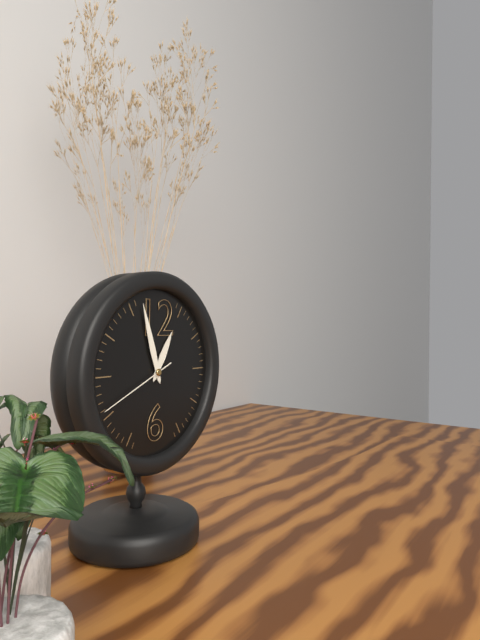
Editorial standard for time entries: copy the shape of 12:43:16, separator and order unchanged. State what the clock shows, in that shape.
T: 12:57:41
